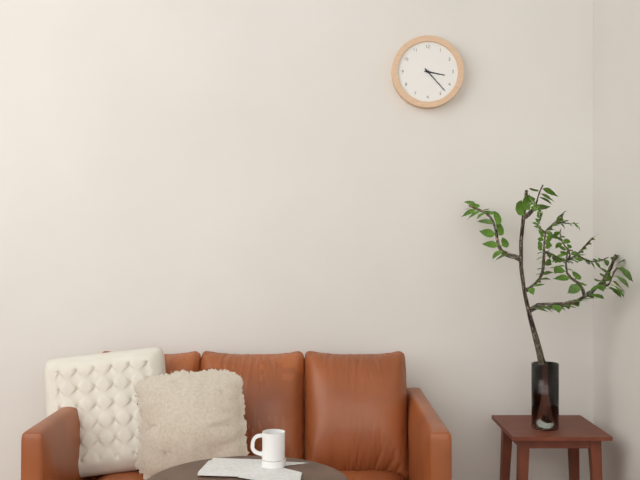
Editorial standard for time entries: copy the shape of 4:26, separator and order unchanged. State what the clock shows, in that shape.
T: 3:23
